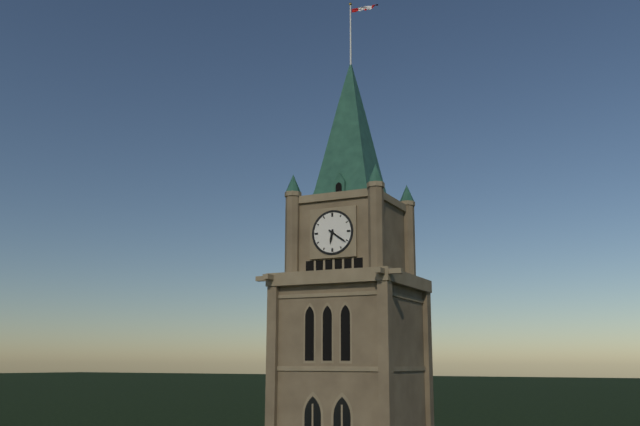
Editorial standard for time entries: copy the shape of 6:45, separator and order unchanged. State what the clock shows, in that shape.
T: 6:21
